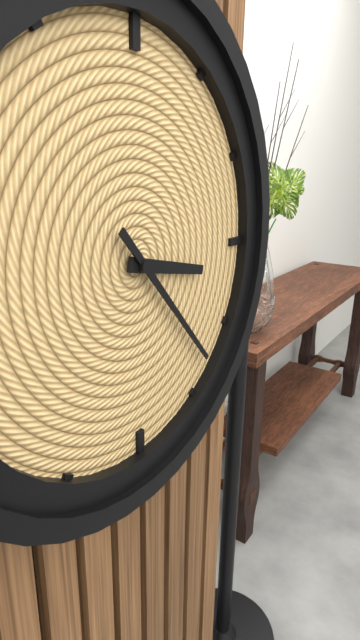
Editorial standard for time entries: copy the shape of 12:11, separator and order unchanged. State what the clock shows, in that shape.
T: 3:23
